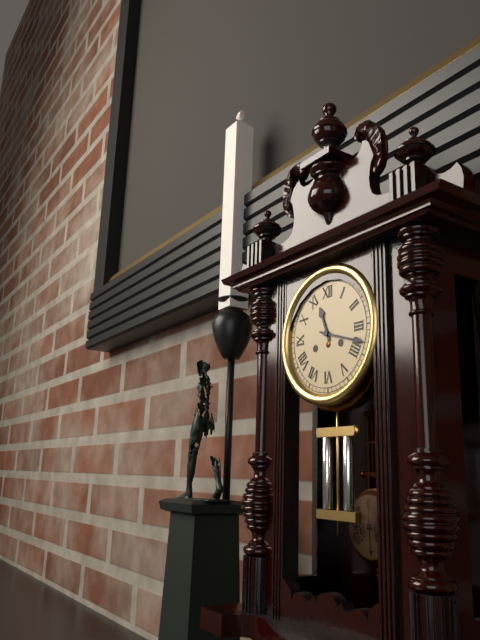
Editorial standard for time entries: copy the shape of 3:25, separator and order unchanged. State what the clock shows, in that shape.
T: 11:18
